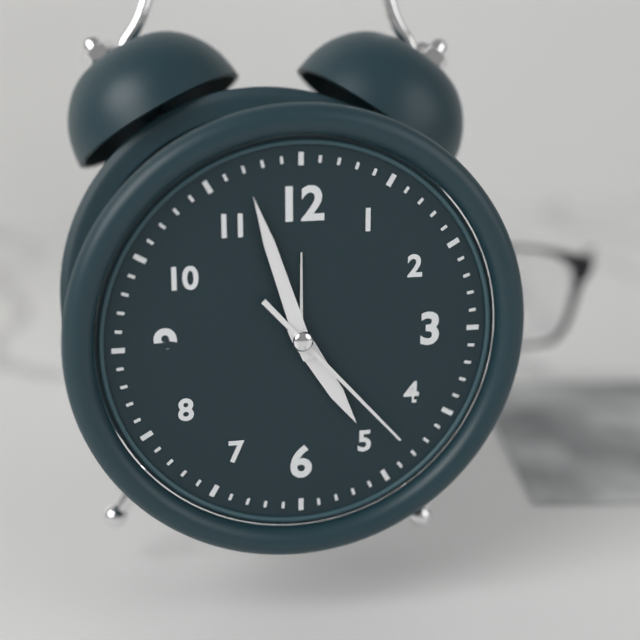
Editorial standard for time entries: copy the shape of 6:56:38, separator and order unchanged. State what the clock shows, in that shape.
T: 4:57:23
